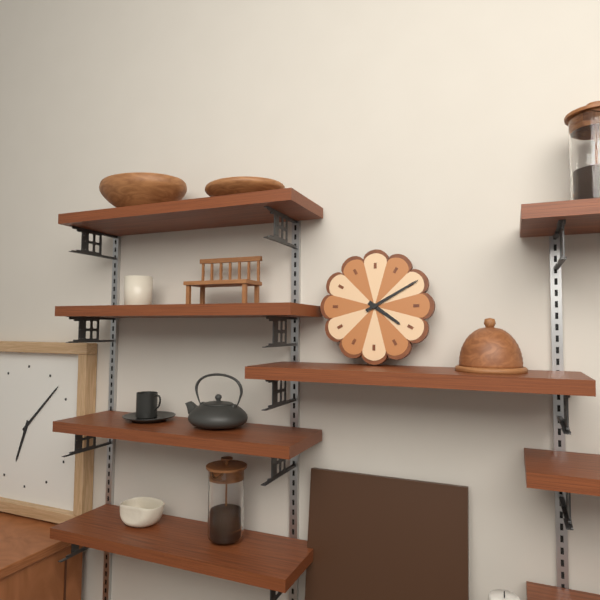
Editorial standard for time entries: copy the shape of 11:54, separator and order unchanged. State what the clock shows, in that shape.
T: 4:10
